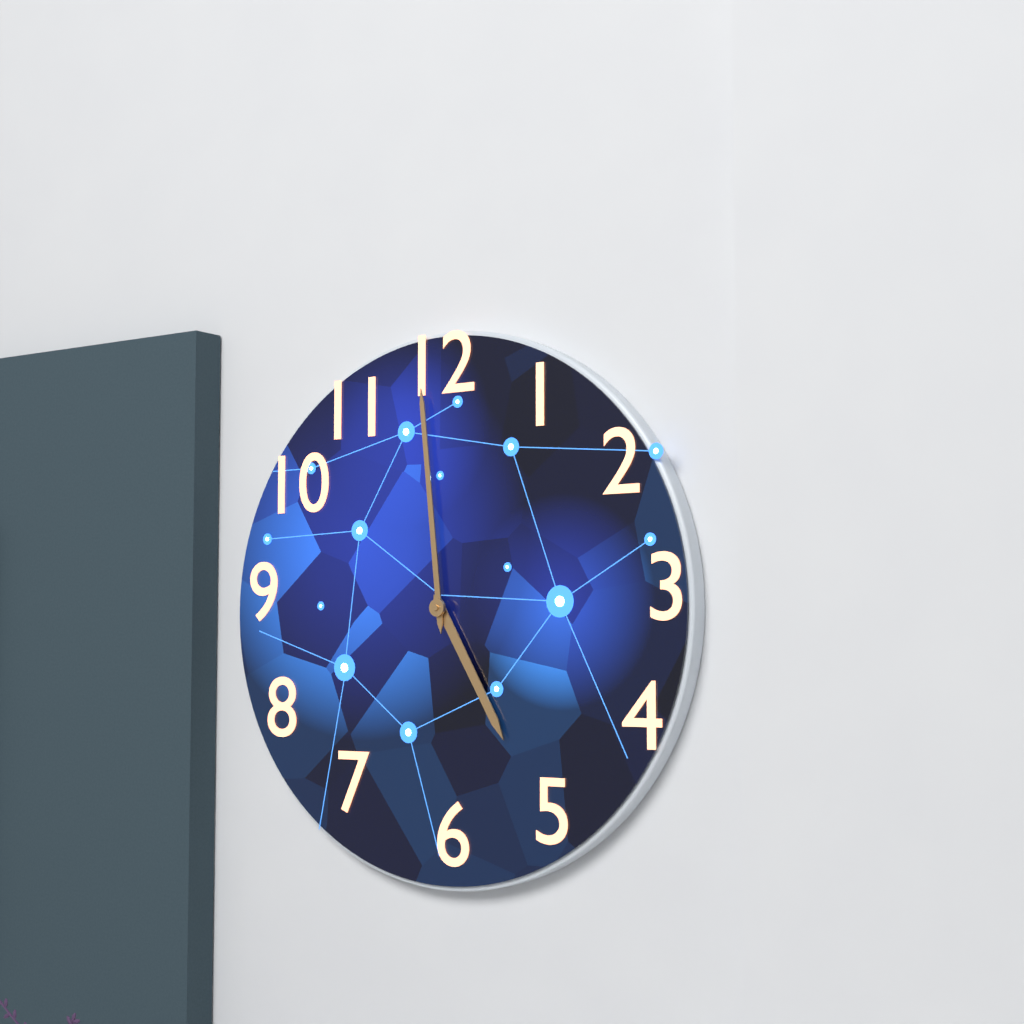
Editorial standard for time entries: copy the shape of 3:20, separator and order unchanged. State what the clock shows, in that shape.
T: 4:59
